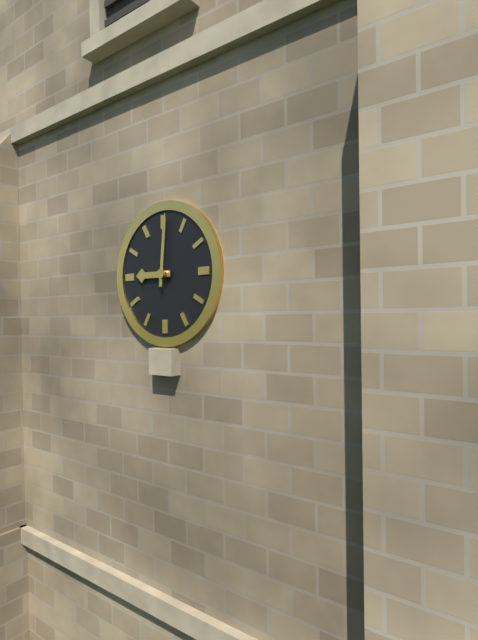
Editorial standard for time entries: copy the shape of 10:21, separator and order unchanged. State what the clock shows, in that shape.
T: 9:01
